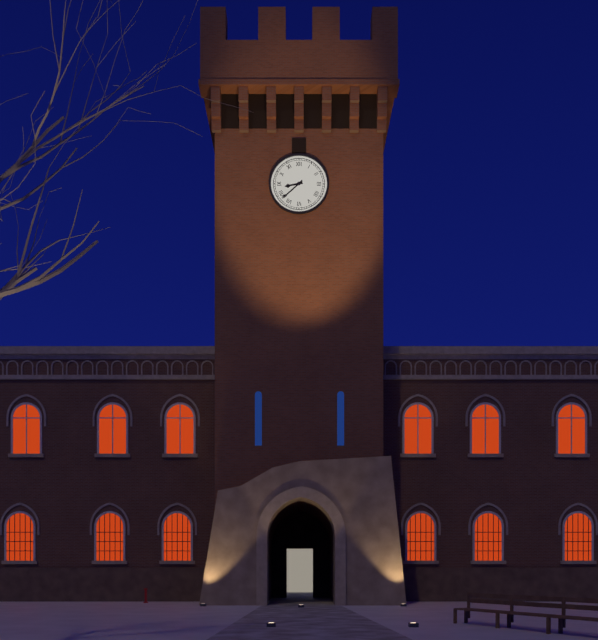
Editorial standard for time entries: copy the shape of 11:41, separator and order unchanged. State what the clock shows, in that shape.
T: 8:38
